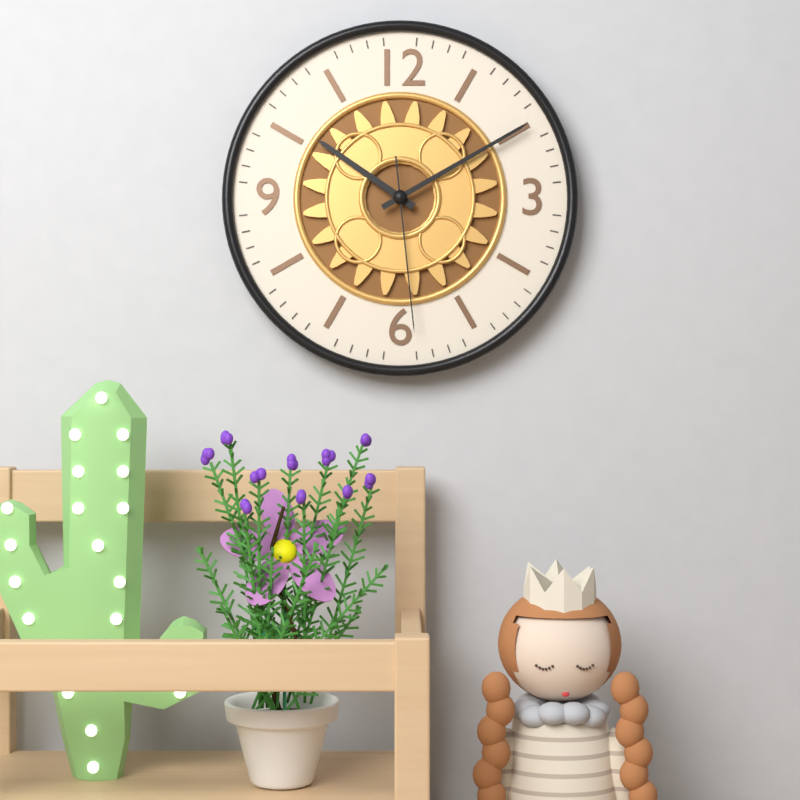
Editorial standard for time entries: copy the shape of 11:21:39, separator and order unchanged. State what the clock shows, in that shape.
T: 10:10:29
